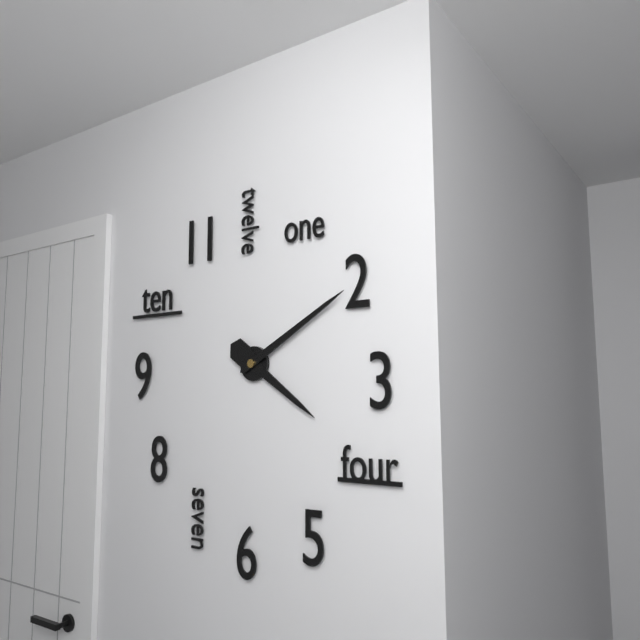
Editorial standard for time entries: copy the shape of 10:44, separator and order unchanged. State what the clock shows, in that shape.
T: 4:10
